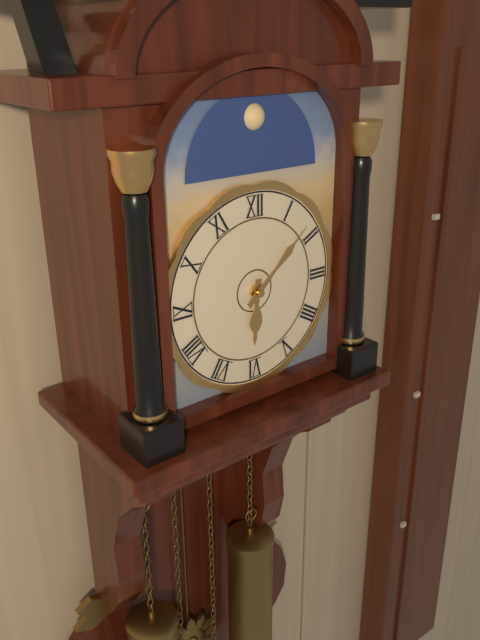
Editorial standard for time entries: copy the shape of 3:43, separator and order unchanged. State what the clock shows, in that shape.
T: 6:08
